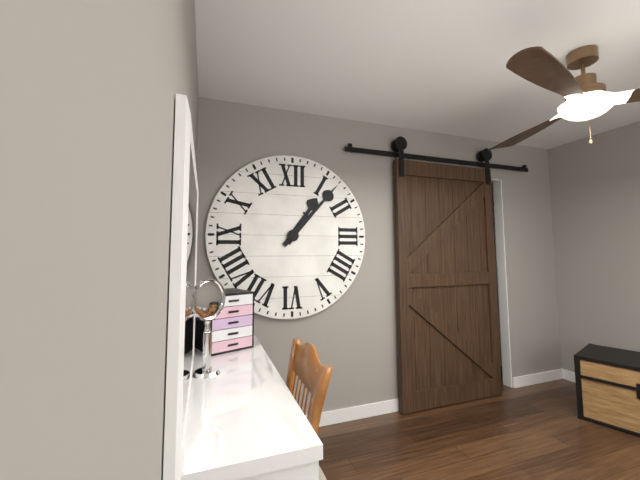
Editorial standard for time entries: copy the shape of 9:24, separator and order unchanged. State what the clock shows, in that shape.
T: 1:07
